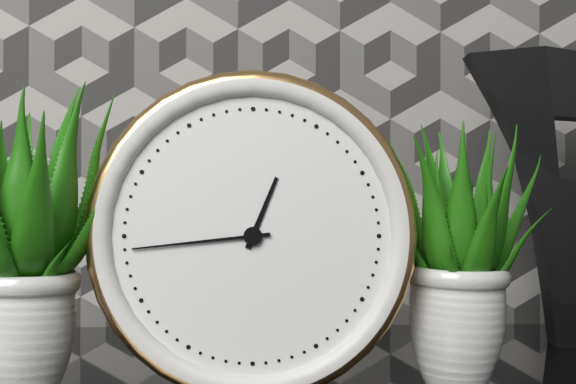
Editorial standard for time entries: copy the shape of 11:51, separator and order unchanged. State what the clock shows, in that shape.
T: 12:44
